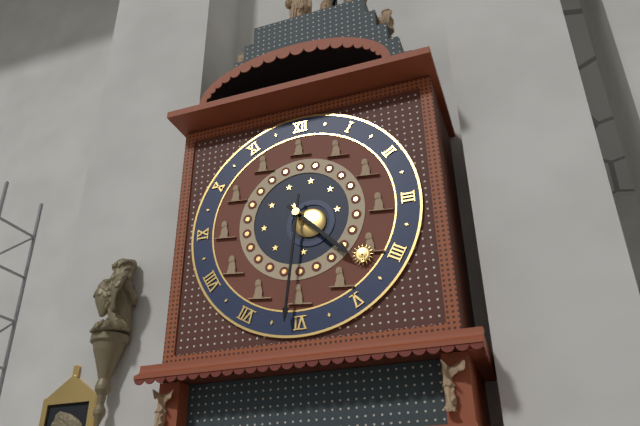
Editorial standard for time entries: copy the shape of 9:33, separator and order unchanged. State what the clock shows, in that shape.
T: 4:31
